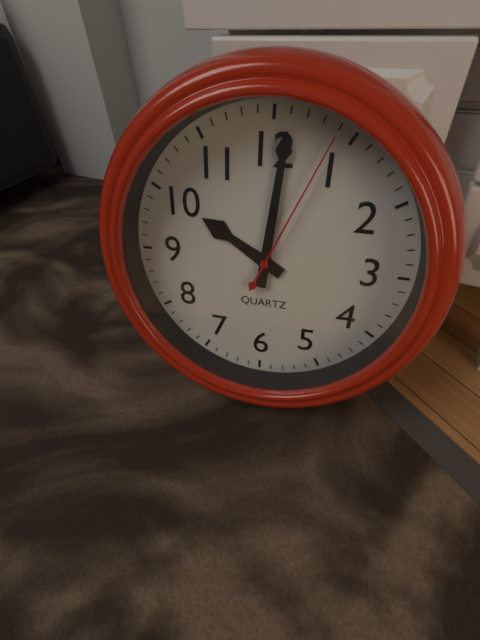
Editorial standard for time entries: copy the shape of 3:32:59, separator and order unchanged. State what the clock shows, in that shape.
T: 10:01:04
